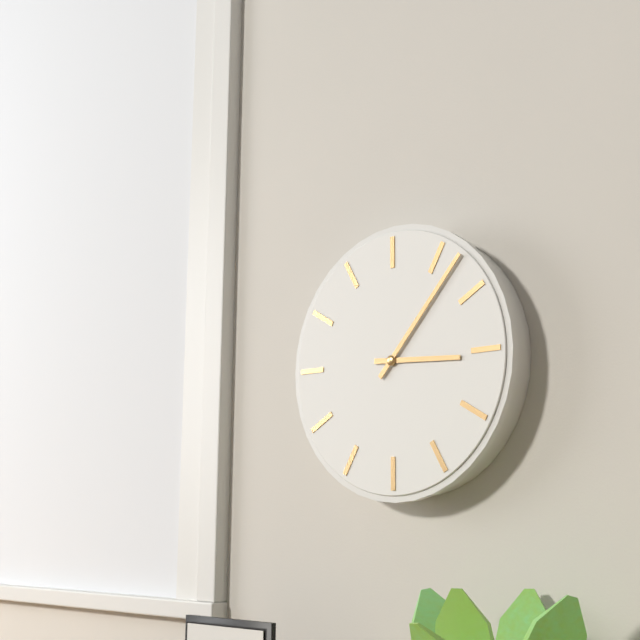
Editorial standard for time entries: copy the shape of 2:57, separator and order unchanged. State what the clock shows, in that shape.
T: 3:07
